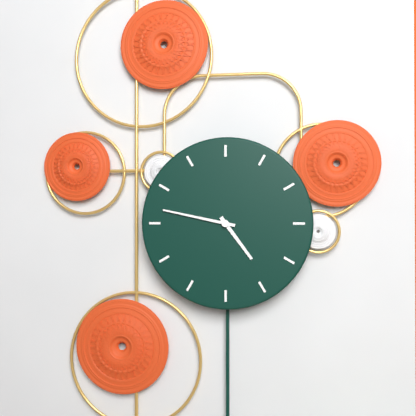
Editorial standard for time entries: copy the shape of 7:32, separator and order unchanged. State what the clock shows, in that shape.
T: 4:47
